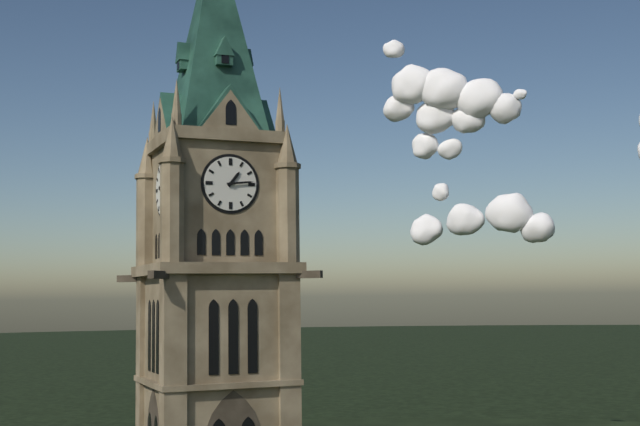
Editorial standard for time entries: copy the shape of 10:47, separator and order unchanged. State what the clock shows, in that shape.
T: 1:14
